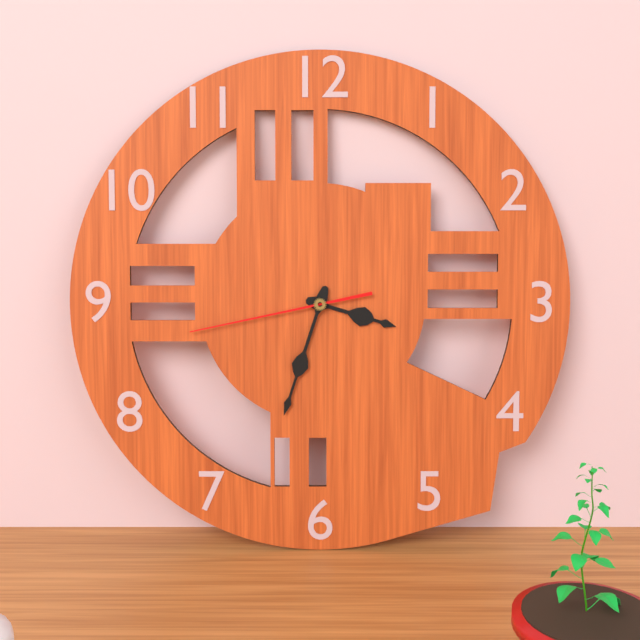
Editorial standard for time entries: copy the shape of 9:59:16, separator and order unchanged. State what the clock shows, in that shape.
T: 3:33:43
